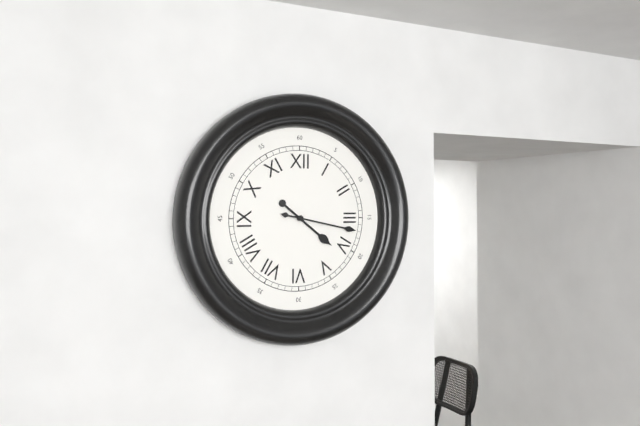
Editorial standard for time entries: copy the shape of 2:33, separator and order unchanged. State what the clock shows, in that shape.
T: 4:17
